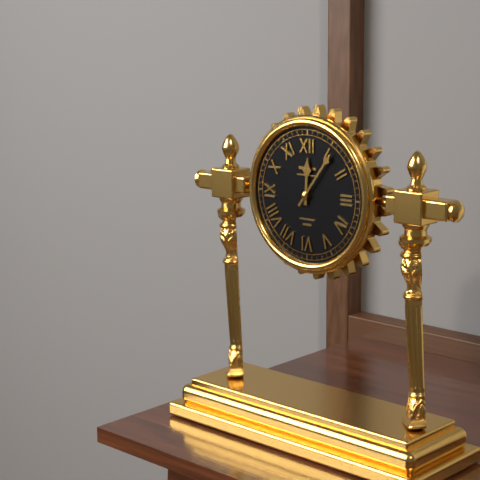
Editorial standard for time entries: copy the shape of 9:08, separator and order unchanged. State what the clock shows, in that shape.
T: 12:06
